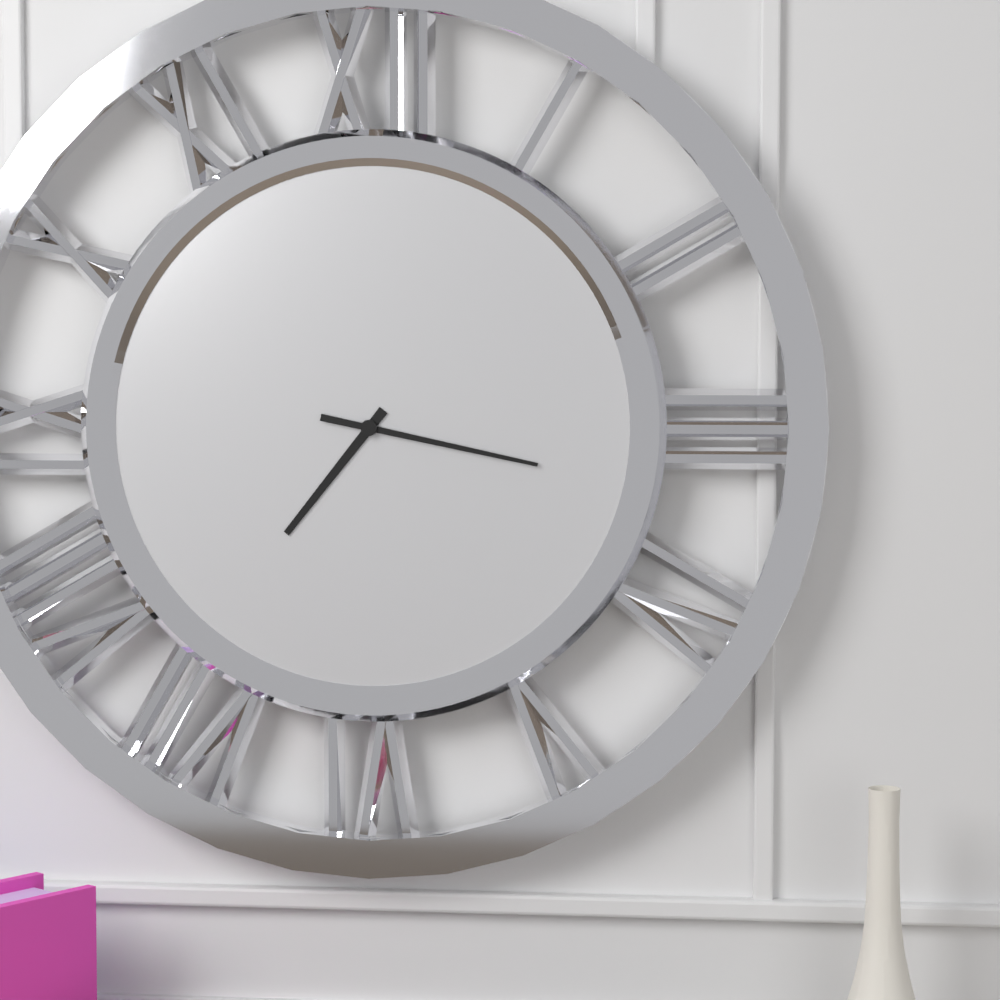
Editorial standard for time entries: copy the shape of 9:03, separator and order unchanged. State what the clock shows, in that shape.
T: 7:17
